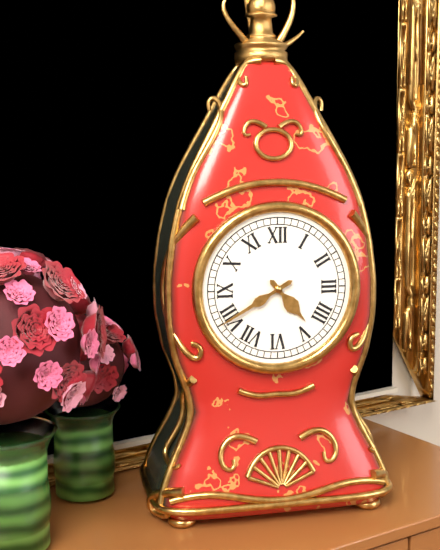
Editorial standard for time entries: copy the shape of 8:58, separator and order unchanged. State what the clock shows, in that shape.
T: 4:40
